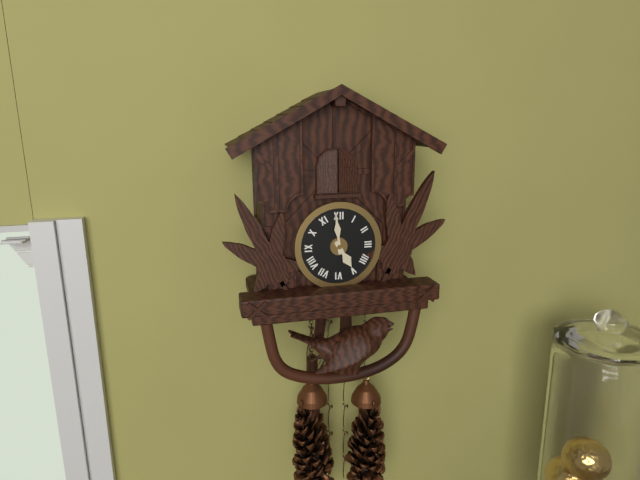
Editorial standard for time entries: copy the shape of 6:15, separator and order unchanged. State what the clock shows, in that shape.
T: 4:59
